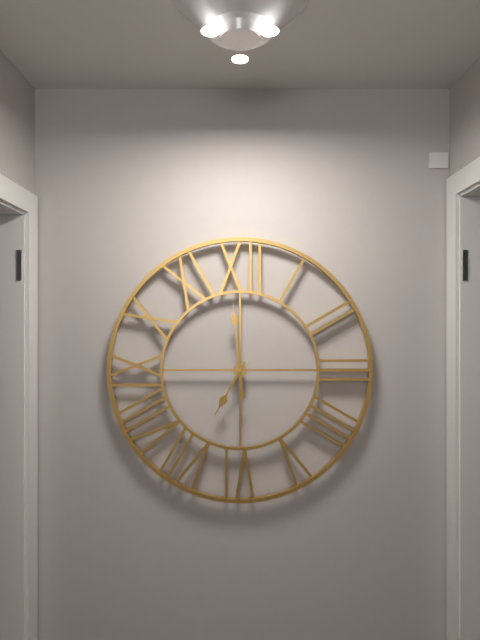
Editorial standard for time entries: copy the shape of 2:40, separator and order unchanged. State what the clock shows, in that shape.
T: 6:59
